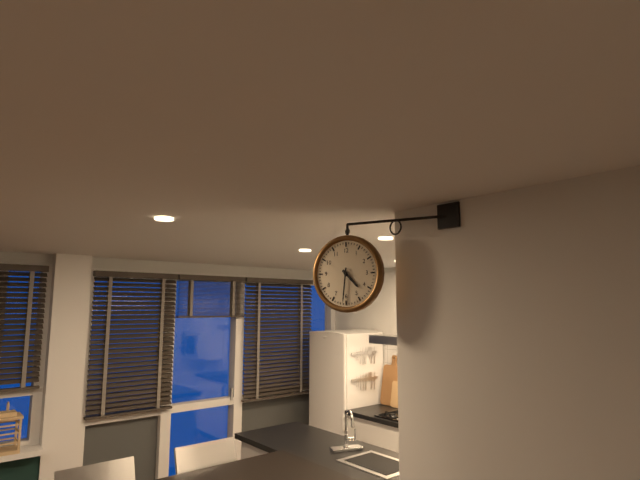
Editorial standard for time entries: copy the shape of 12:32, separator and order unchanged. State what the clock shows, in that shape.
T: 4:31
